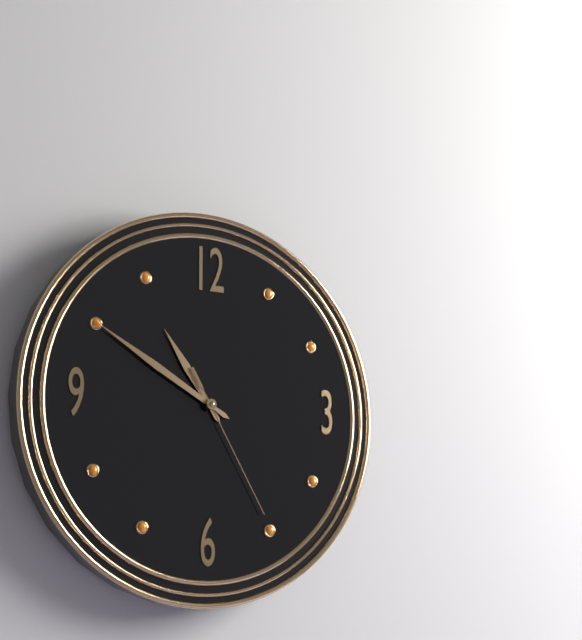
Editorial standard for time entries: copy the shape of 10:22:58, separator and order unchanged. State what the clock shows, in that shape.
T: 10:50:25
